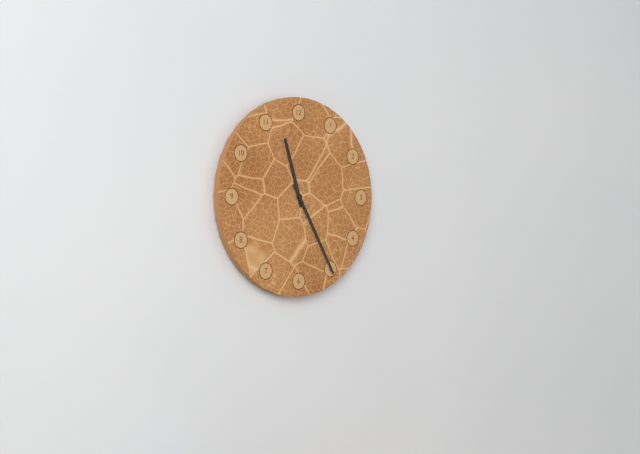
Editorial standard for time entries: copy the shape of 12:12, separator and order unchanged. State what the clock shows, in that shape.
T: 11:25
